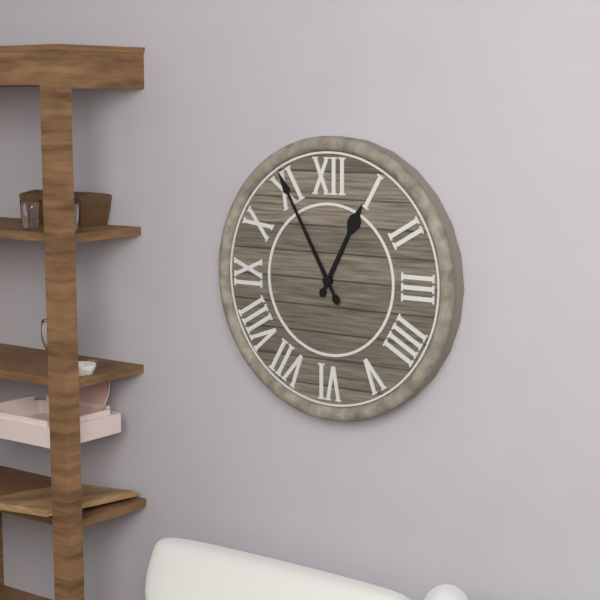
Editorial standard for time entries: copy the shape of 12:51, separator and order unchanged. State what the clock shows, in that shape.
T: 12:55
